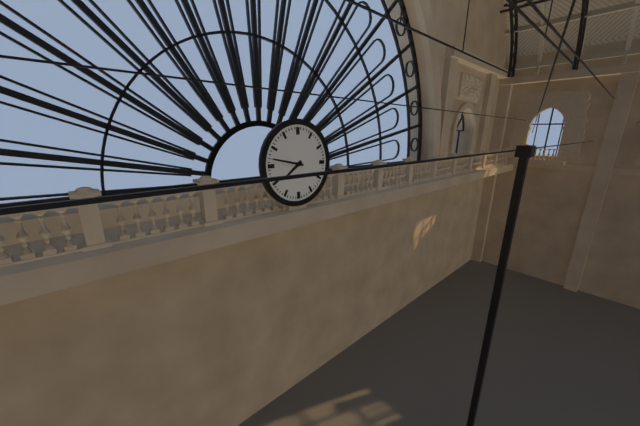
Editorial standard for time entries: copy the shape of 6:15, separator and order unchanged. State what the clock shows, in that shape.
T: 7:47
